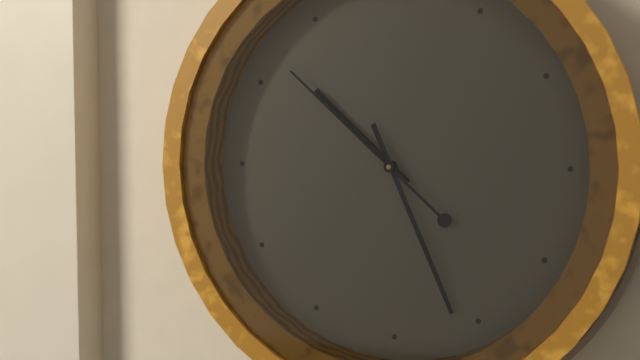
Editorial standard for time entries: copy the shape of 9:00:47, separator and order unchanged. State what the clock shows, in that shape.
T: 10:26:52
